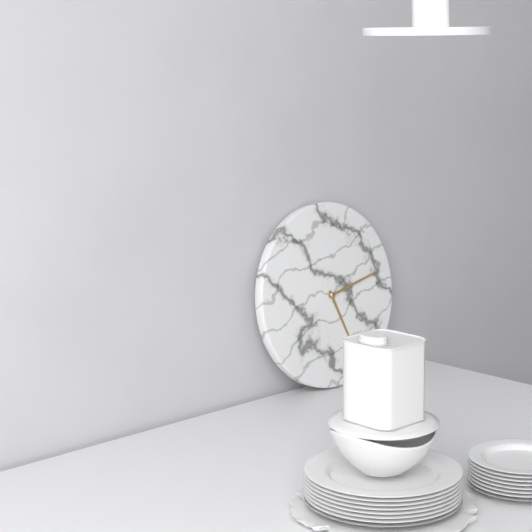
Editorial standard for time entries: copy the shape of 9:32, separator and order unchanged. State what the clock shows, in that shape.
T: 5:13
